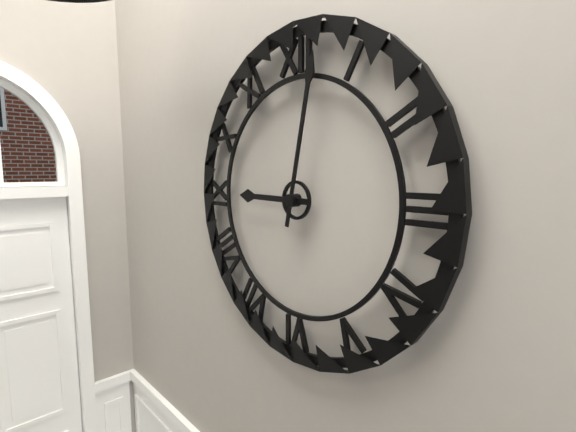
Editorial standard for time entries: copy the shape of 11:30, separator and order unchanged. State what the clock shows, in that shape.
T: 9:02
